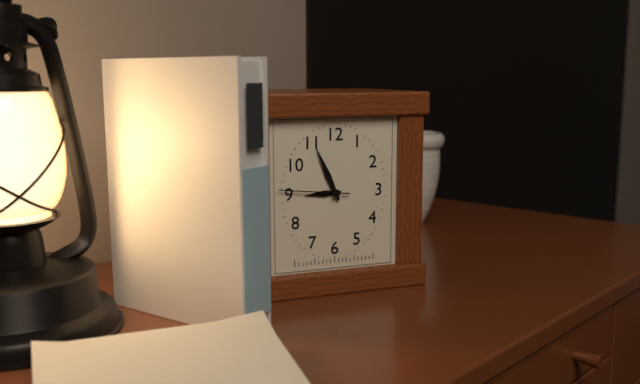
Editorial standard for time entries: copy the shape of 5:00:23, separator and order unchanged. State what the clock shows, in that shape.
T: 8:56:46
